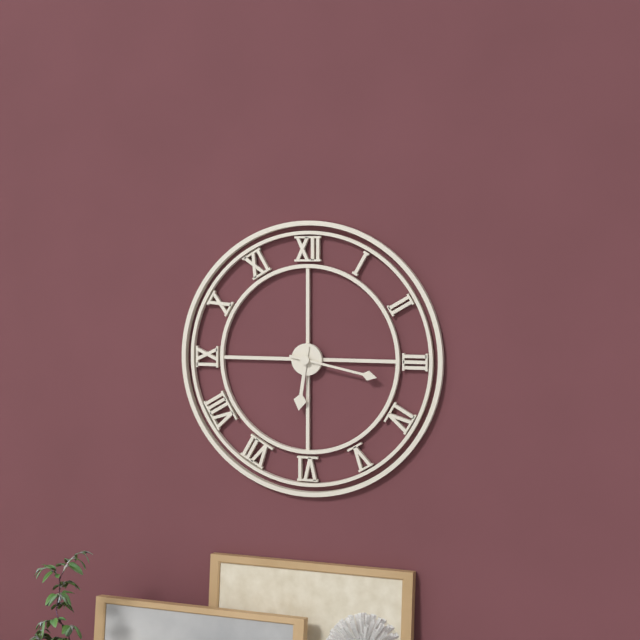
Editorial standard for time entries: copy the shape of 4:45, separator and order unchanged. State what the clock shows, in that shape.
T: 6:17
